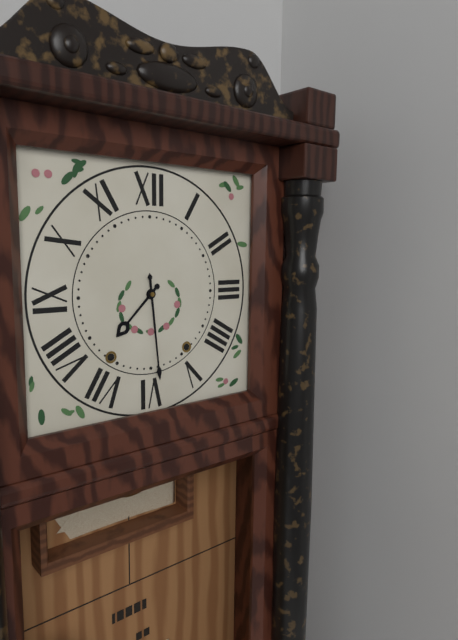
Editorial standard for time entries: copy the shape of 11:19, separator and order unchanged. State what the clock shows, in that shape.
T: 7:29
